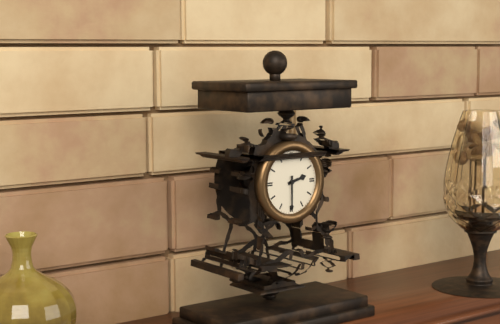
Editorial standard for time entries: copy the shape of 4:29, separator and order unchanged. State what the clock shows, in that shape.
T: 2:30
